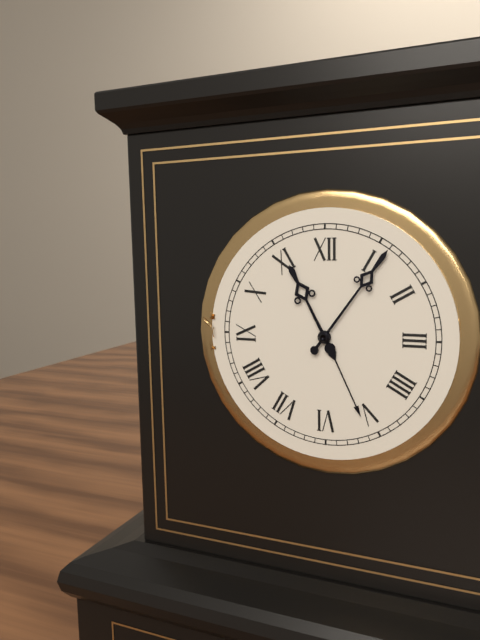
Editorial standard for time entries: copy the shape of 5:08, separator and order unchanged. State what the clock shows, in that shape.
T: 11:06
